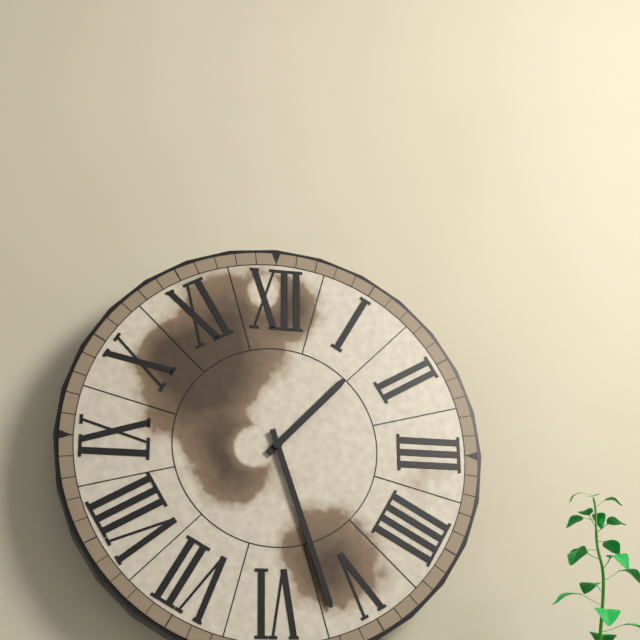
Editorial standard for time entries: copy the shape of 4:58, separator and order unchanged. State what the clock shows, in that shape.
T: 1:27
